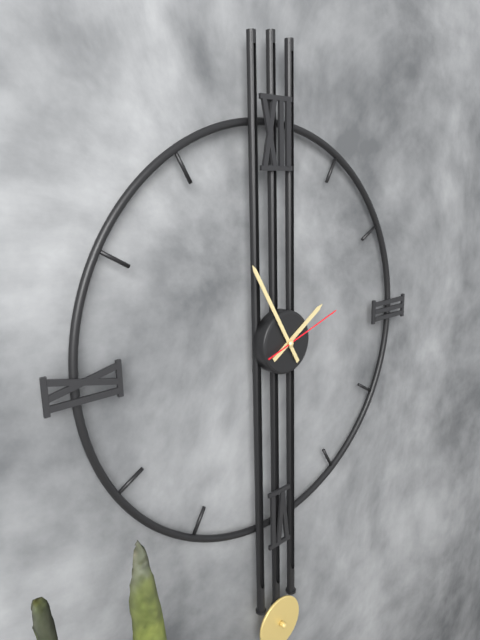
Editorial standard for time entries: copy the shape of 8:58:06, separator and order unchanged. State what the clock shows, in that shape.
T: 1:55:12
